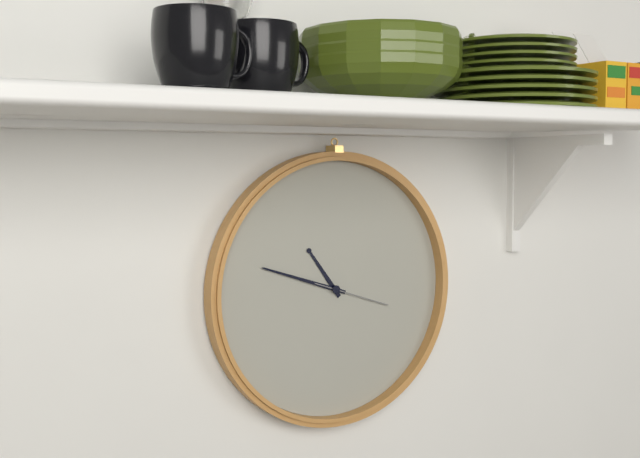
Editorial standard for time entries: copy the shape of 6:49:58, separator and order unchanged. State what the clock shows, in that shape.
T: 10:48:18
